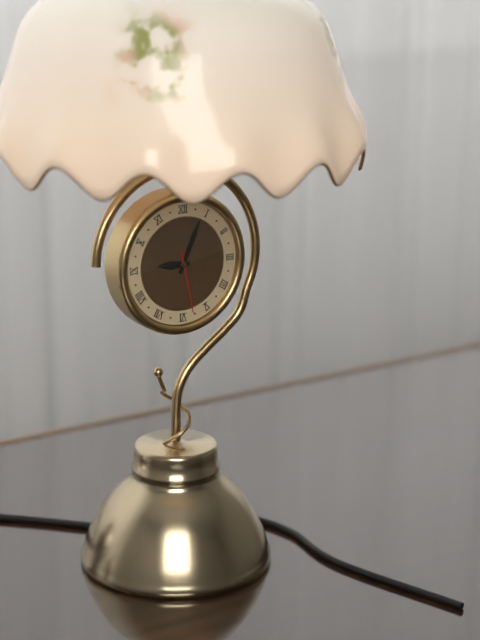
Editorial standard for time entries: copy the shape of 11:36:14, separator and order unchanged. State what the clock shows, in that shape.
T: 9:04:28
